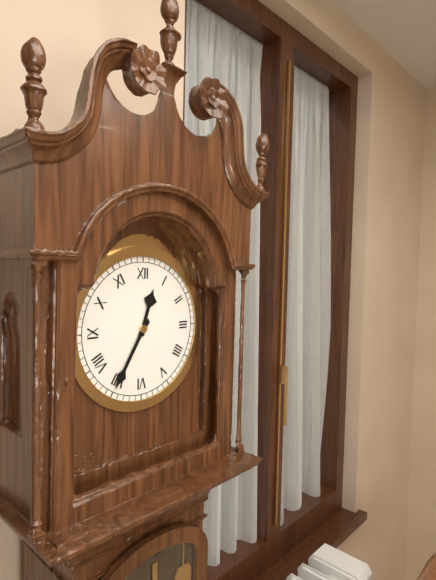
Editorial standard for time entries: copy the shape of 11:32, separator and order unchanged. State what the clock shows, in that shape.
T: 12:35
